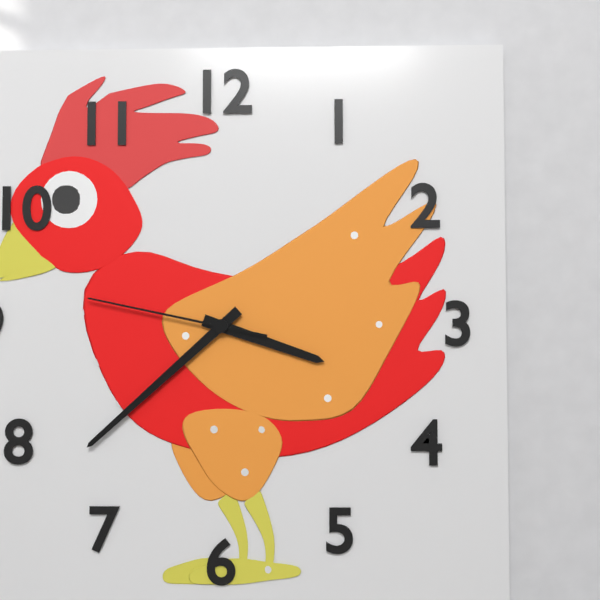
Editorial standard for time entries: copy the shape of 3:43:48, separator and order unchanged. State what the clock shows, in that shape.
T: 3:38:47
